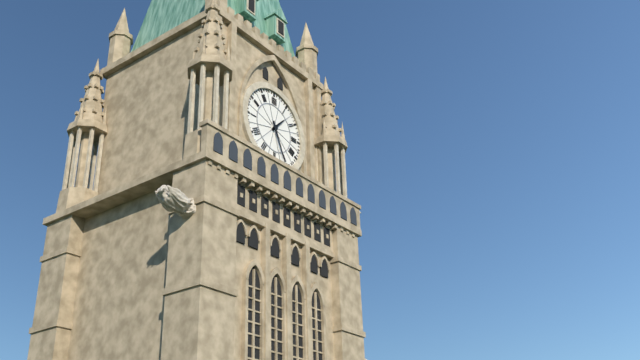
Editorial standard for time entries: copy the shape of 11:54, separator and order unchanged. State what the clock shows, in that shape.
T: 1:26
